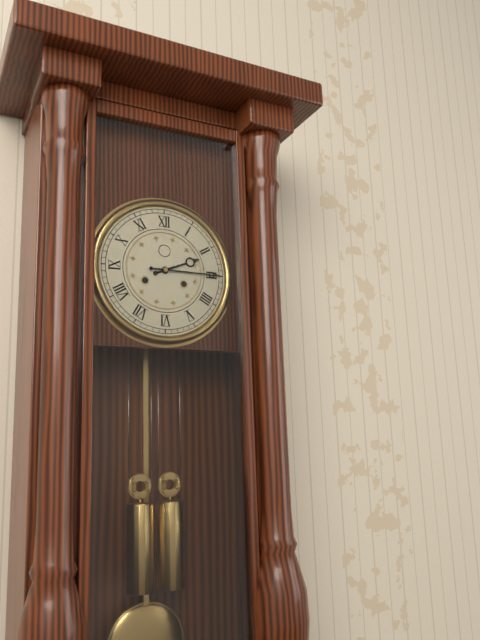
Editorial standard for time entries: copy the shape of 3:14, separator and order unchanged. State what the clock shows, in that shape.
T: 2:15
